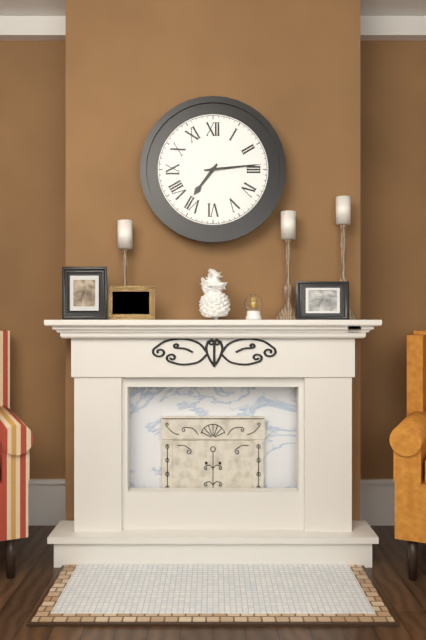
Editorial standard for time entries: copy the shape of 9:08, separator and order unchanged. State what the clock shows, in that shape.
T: 7:14
